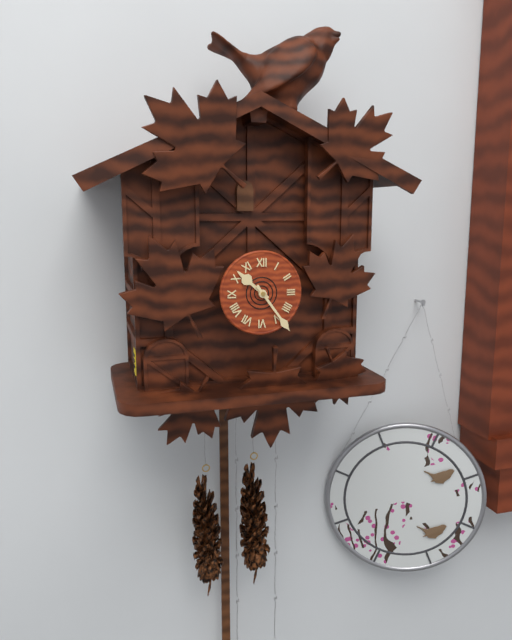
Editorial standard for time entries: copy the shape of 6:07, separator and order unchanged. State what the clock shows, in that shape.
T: 10:24
